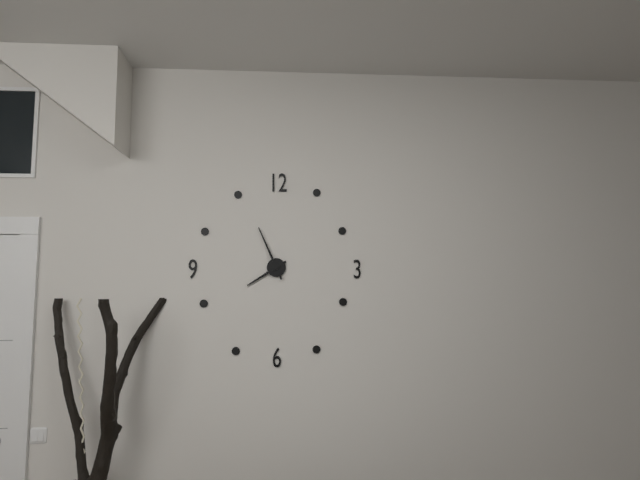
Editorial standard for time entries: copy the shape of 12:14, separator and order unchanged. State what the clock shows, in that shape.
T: 7:56
